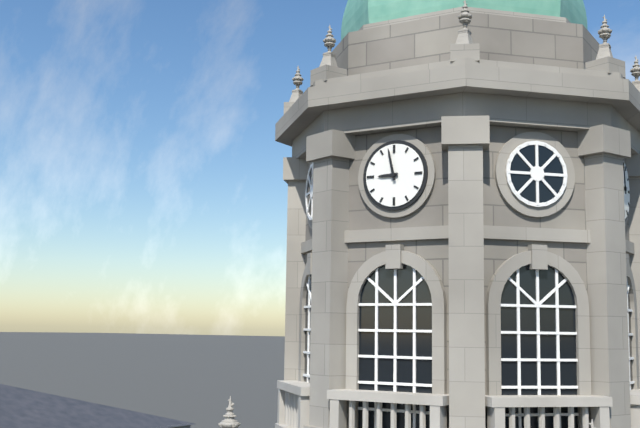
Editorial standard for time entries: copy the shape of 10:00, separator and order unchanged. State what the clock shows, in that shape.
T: 8:58
